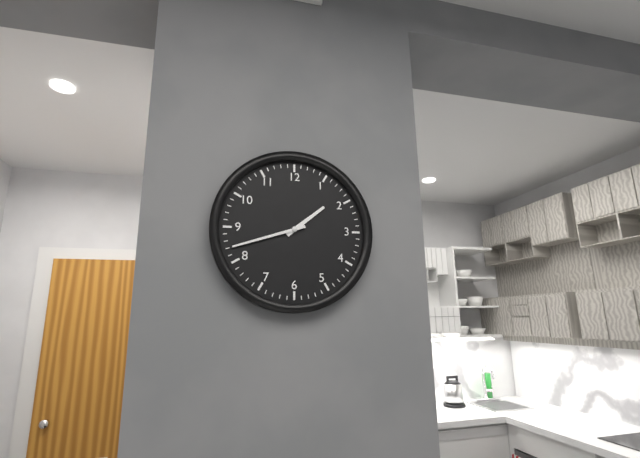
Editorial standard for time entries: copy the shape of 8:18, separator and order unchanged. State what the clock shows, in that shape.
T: 1:42
